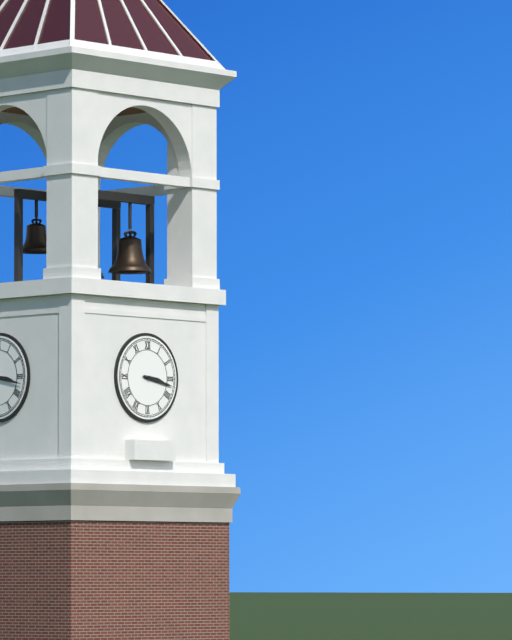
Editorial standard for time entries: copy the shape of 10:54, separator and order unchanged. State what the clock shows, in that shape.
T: 3:17
